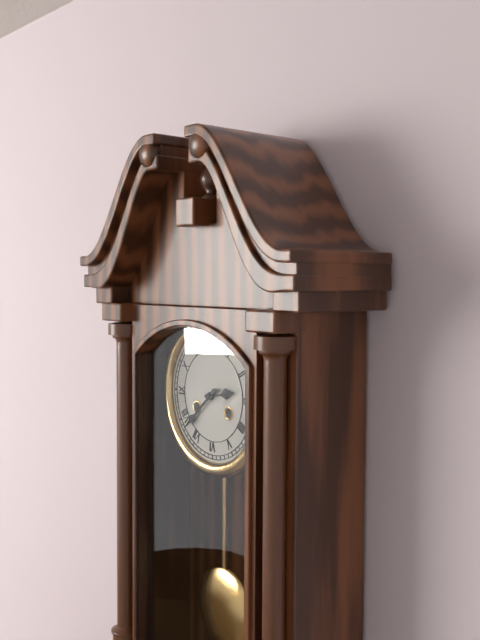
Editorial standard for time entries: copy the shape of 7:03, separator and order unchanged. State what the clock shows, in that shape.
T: 2:38
